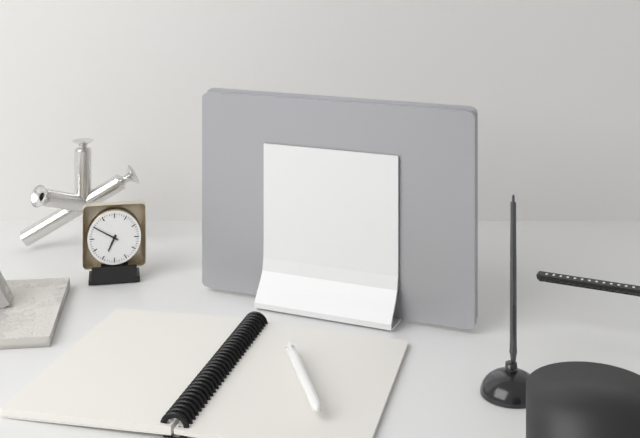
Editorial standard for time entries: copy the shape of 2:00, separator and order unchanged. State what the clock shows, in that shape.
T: 6:50
